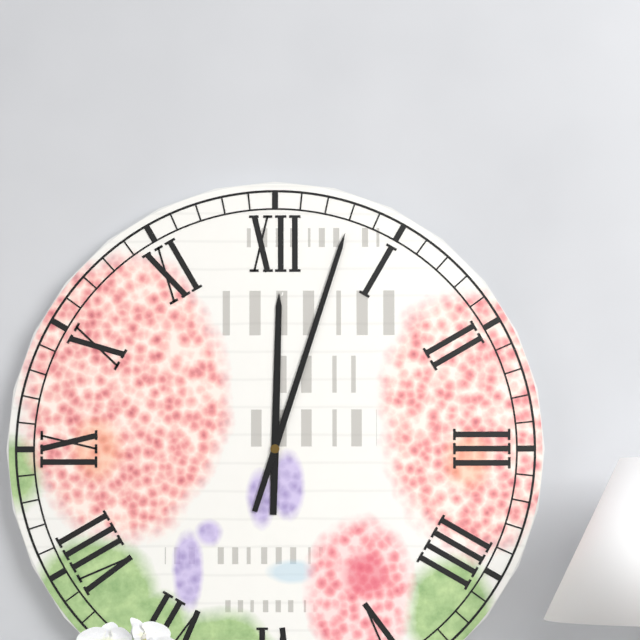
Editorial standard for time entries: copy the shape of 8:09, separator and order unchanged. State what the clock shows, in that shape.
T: 12:03
